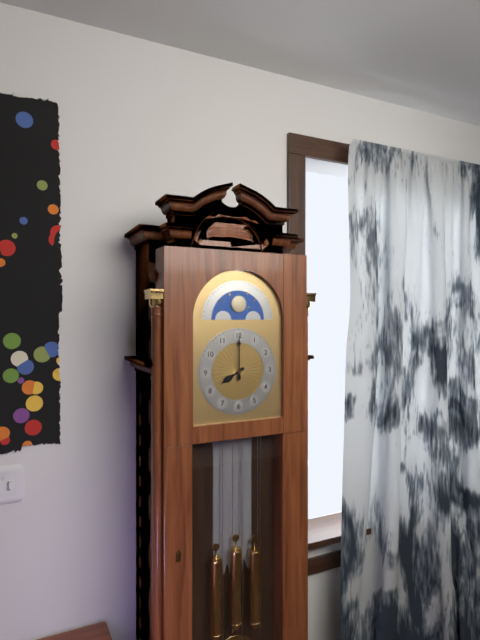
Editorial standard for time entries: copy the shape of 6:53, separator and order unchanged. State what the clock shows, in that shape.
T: 8:00
